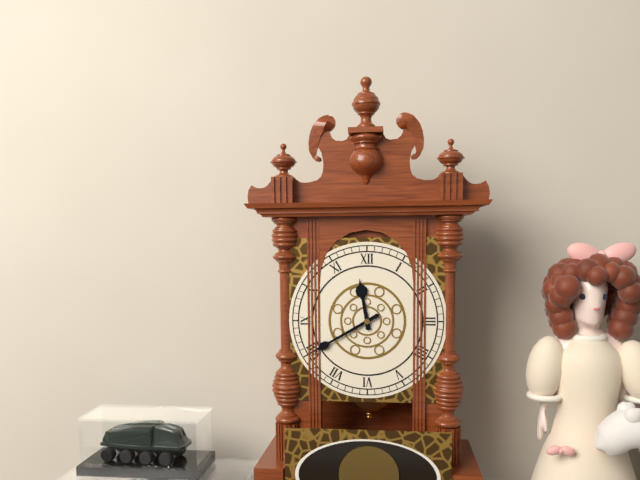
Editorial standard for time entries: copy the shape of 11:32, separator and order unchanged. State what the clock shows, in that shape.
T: 11:40
